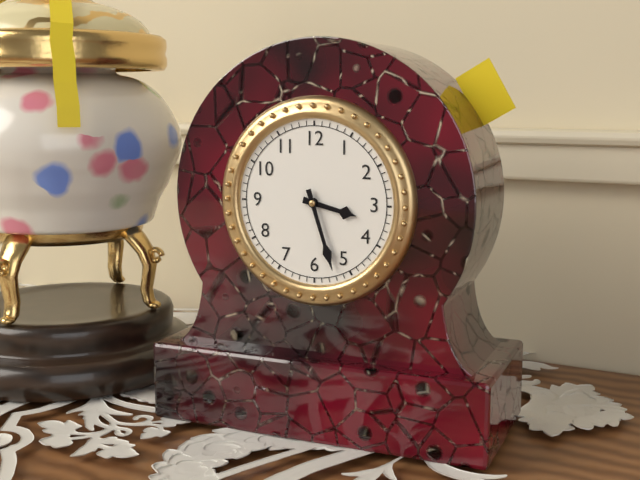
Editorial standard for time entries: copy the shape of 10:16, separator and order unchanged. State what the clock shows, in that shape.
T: 3:27
